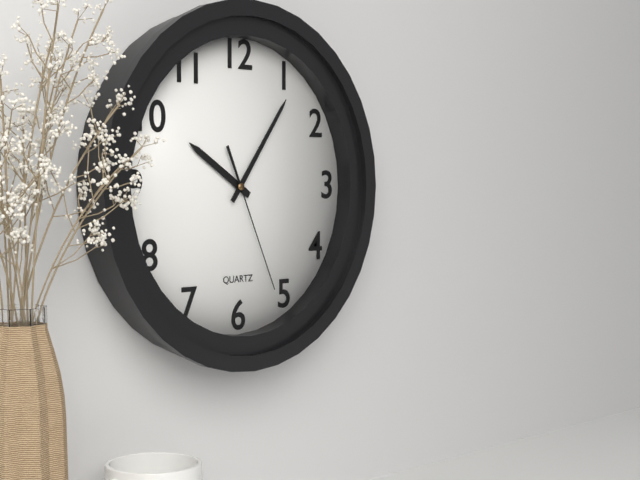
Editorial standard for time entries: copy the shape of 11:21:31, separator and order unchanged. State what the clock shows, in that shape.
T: 10:06:26
